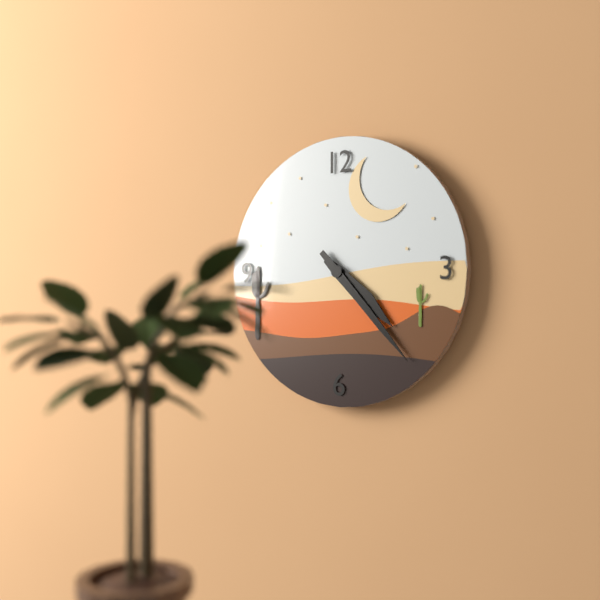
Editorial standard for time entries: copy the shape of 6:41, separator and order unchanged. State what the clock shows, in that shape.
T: 4:23
